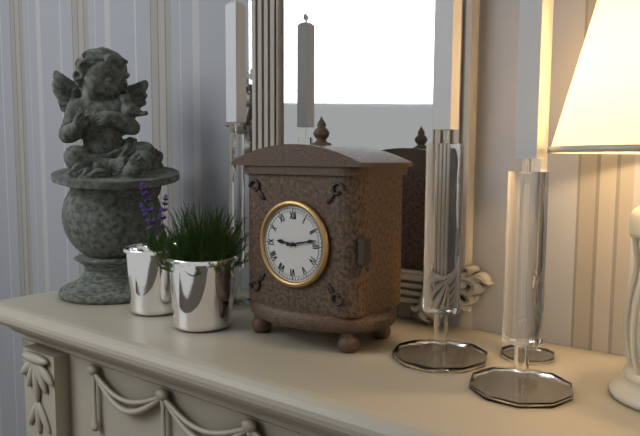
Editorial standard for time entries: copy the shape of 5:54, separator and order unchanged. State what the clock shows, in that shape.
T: 9:13
